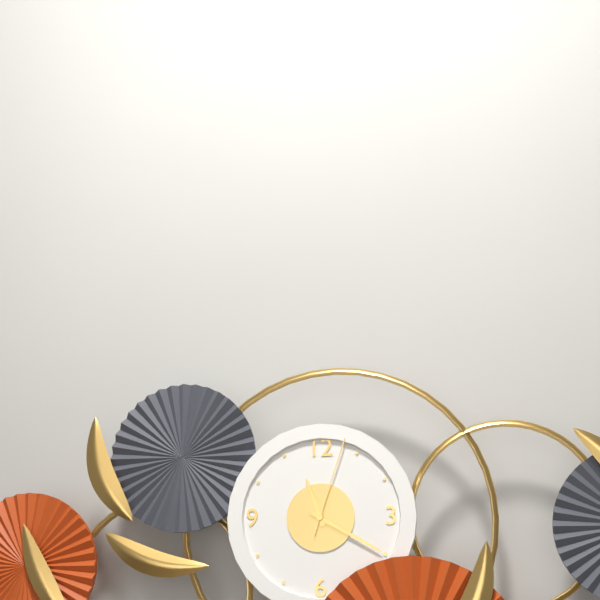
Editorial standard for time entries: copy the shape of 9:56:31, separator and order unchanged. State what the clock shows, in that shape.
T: 11:20:03
